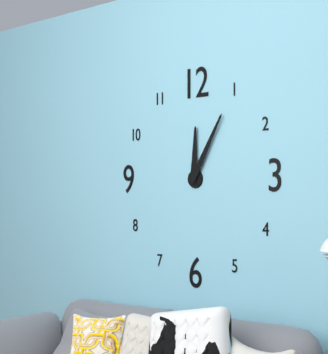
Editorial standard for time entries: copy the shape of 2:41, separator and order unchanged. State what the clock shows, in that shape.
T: 12:05
